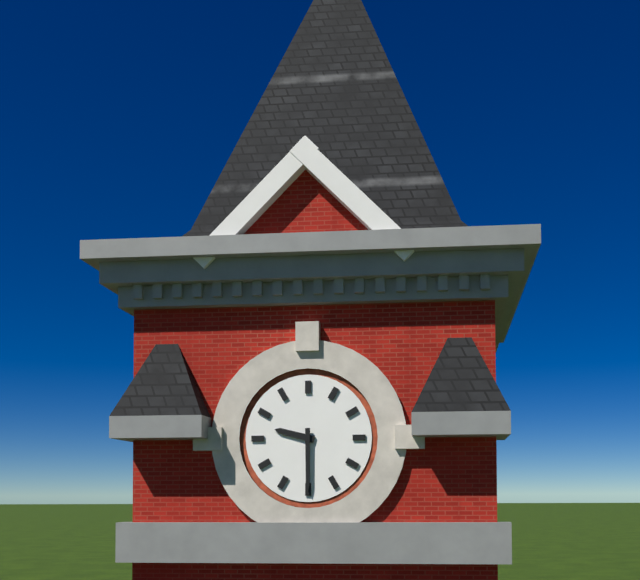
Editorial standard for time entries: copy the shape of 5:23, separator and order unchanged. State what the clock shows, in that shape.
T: 9:30
